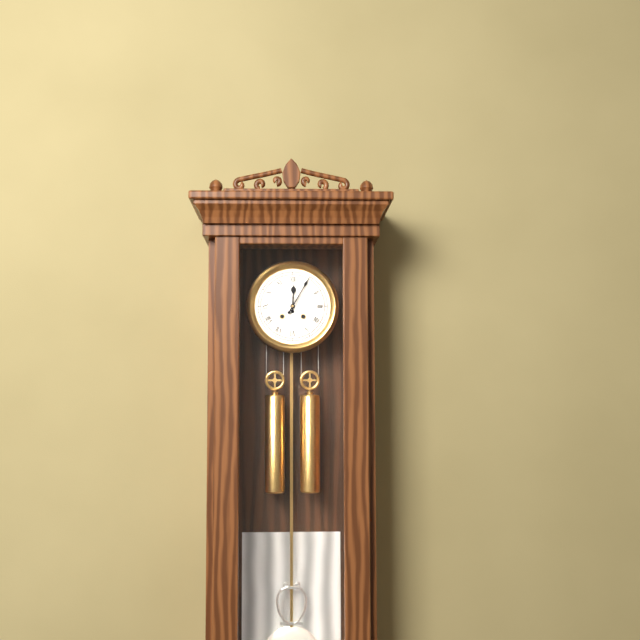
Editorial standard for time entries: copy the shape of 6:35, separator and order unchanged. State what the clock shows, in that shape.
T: 12:05
